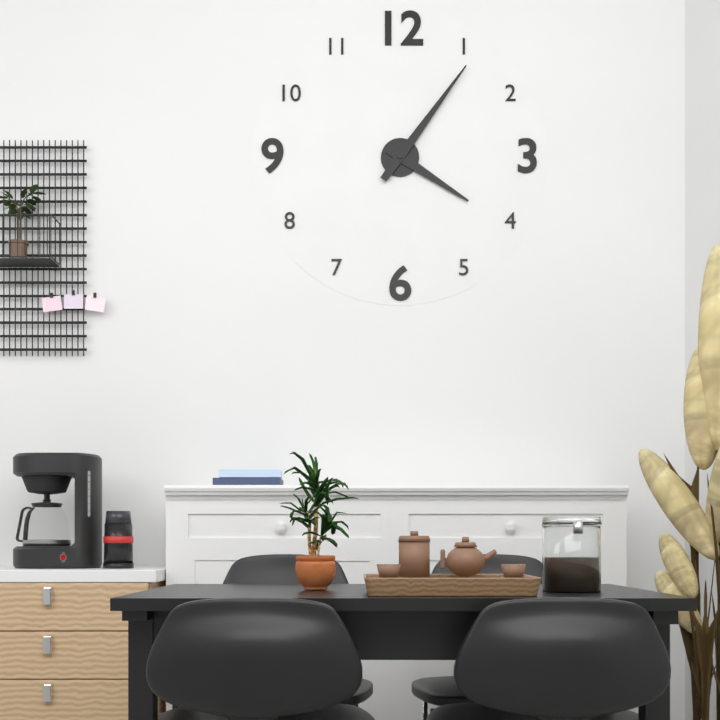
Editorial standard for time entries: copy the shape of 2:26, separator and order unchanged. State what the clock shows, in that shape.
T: 4:06
